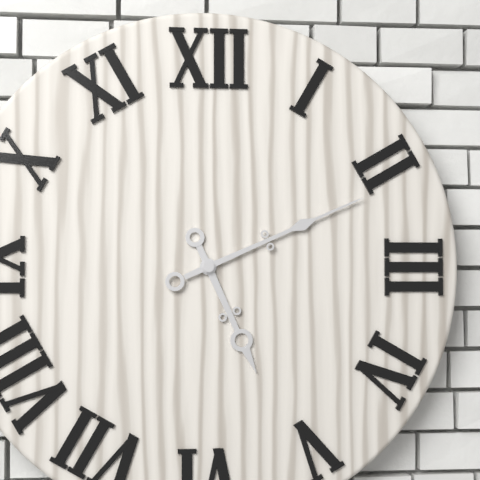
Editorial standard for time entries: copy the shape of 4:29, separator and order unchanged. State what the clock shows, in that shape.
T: 5:11
